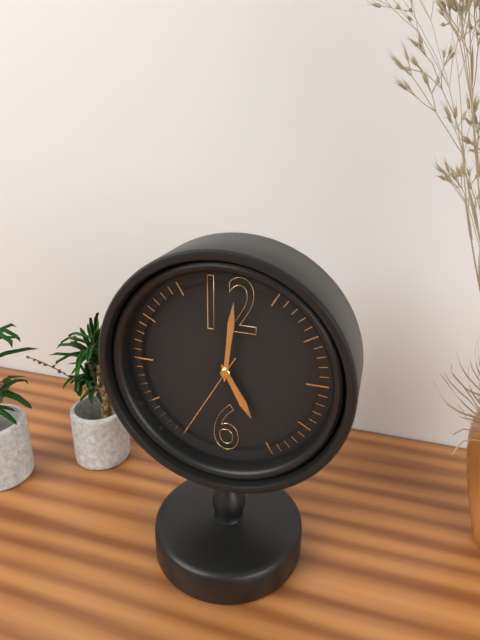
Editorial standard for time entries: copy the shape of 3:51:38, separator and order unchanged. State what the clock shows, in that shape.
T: 5:01:35
